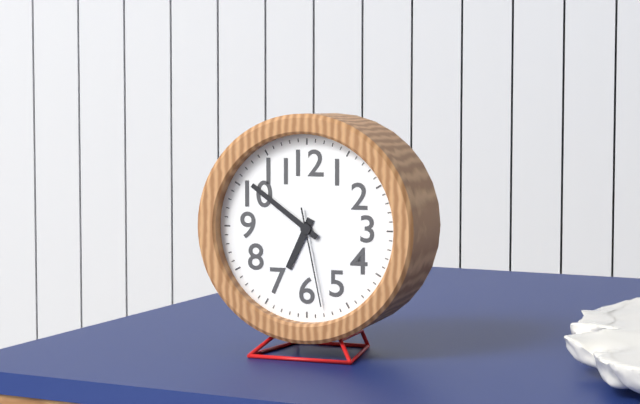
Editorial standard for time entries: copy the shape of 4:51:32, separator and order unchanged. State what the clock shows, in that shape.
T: 6:51:28
